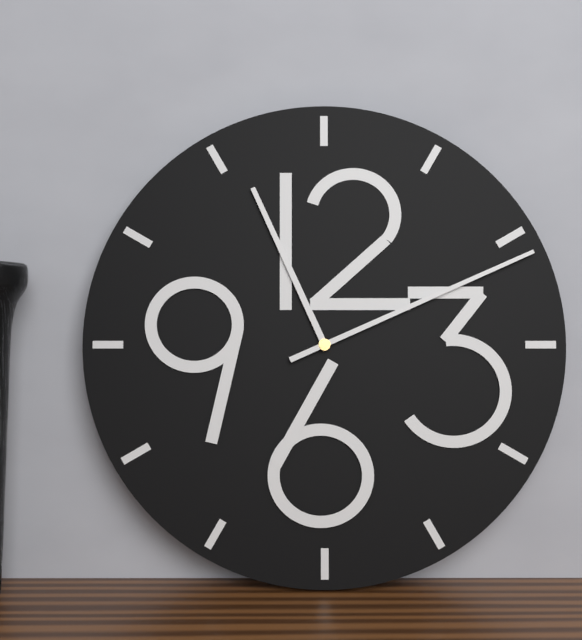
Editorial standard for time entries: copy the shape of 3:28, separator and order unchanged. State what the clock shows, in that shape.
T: 11:11
